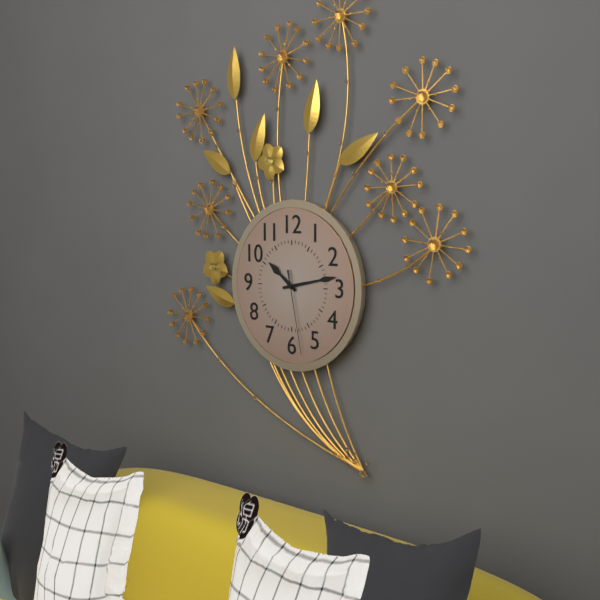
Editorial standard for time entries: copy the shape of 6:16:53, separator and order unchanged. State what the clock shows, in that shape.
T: 10:13:28
